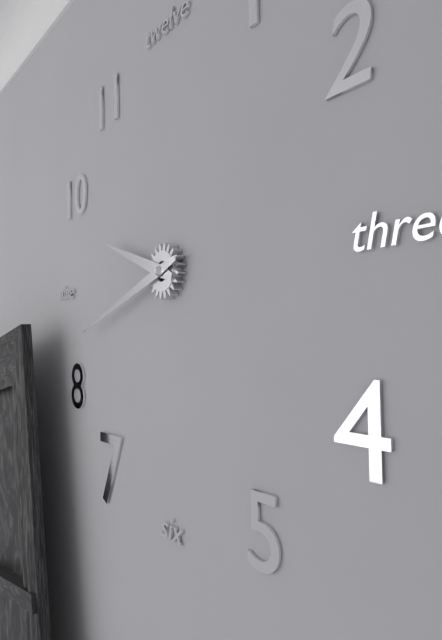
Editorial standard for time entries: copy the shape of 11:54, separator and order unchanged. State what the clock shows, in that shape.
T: 9:42
